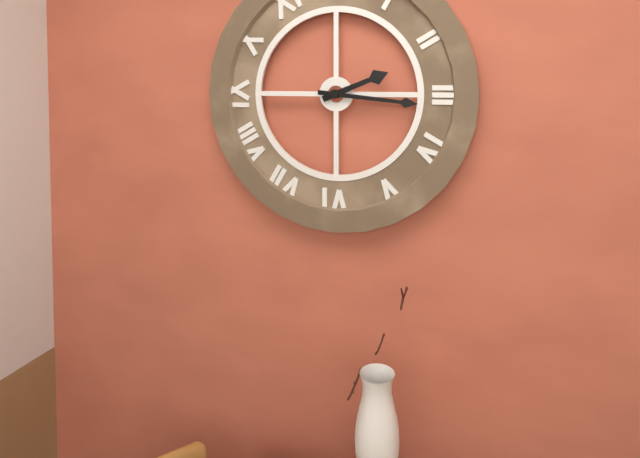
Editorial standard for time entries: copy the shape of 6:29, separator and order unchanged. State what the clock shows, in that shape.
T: 2:16
